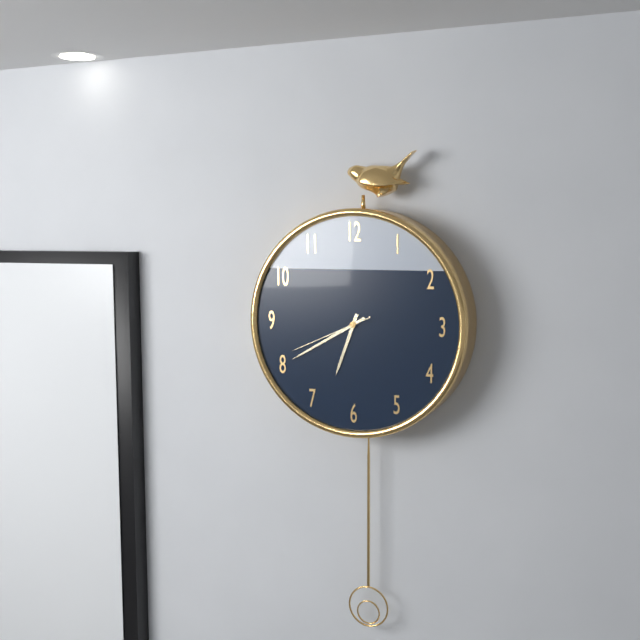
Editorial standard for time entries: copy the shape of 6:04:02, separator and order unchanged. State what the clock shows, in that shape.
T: 6:40:41
